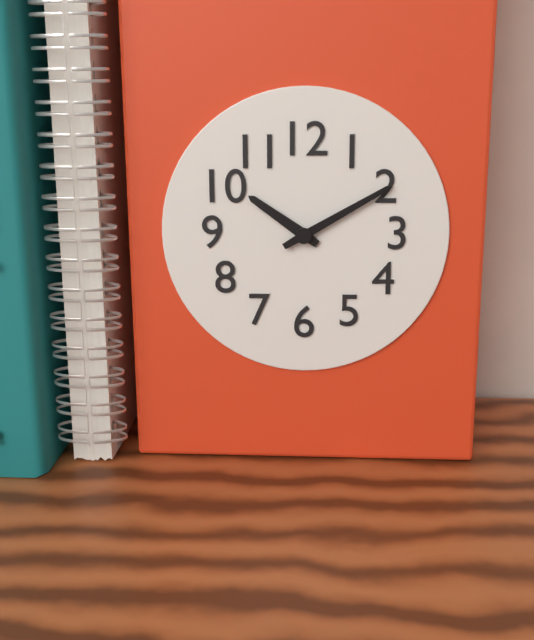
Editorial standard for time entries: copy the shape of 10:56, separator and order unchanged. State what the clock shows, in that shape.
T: 10:10
